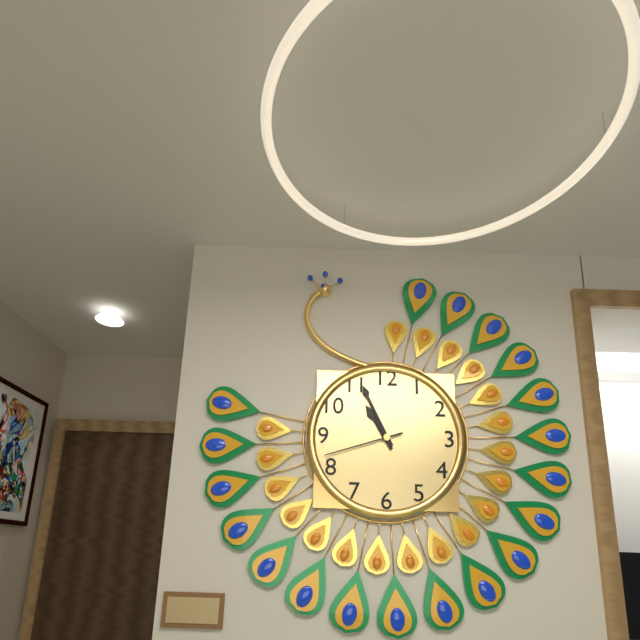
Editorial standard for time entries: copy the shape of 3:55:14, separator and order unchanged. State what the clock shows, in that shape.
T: 10:56:42
